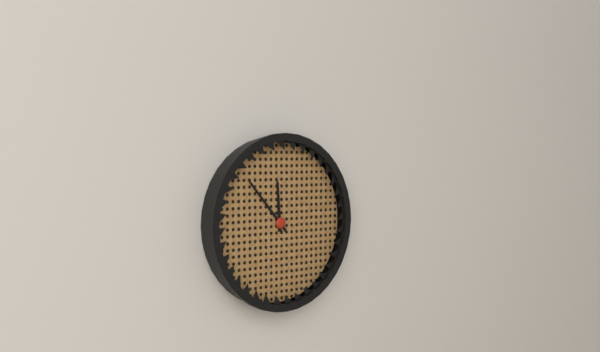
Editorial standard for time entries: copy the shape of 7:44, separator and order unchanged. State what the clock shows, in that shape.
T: 11:53
